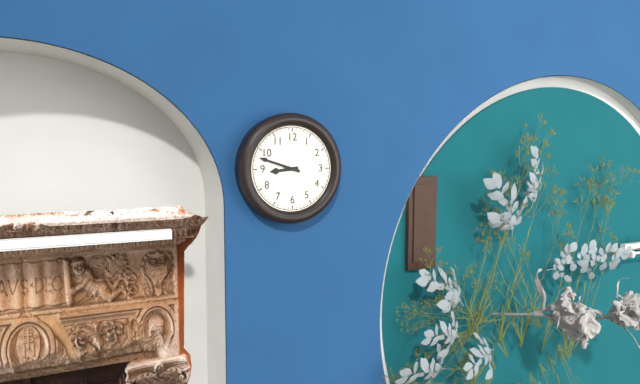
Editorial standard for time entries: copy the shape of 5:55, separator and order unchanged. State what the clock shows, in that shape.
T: 8:48
